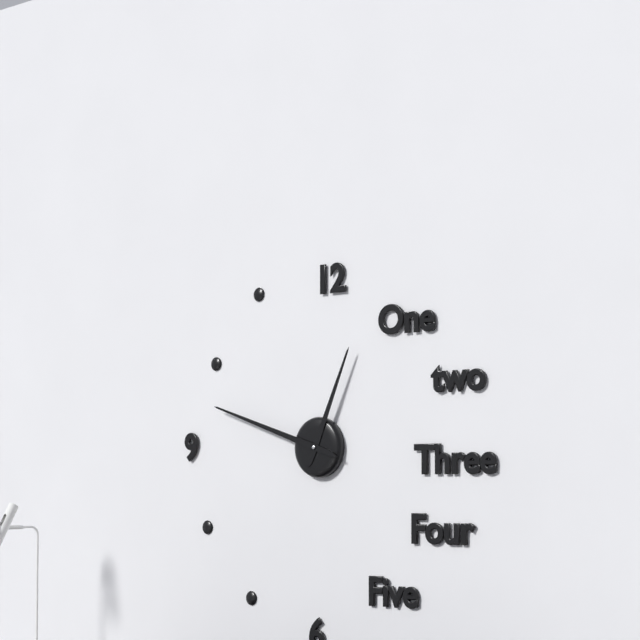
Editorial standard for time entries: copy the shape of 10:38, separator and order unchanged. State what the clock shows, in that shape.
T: 12:48
